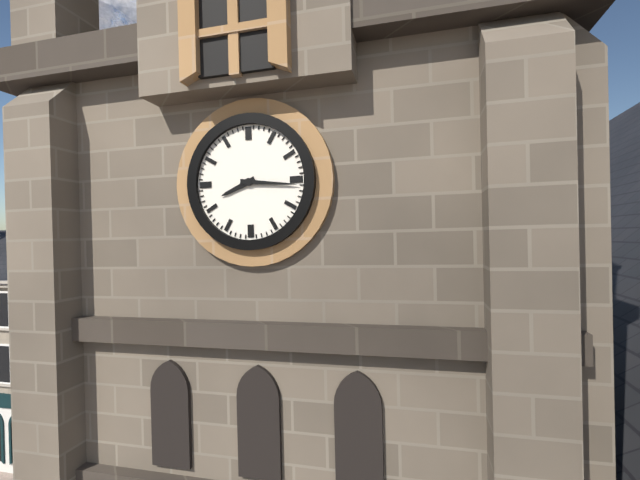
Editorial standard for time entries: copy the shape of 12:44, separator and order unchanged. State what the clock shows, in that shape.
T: 8:16
